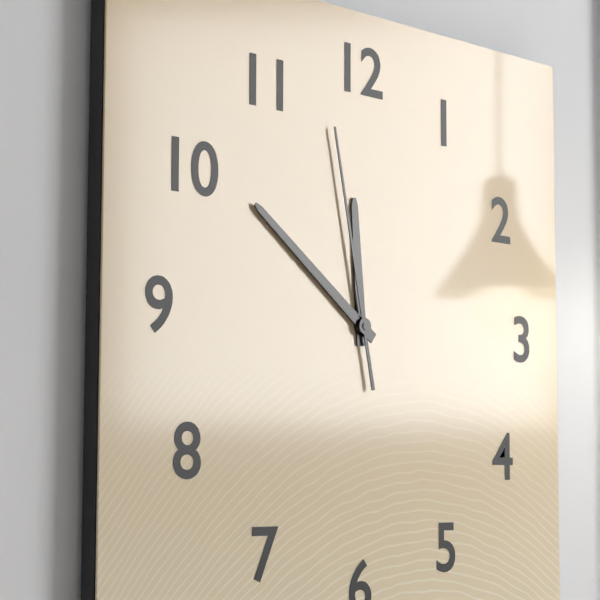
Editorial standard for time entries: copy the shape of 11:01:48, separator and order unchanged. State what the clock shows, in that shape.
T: 11:51:58
